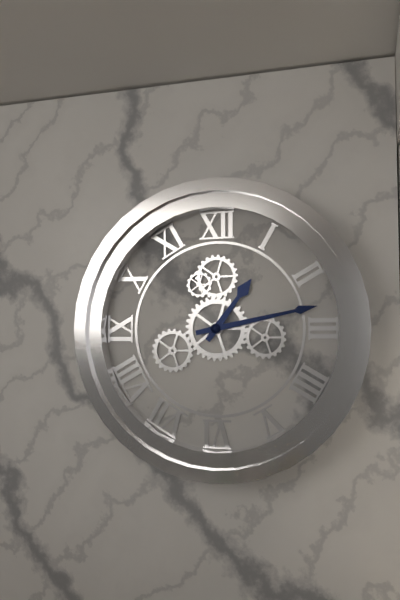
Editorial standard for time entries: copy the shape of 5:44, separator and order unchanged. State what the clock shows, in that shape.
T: 1:13
